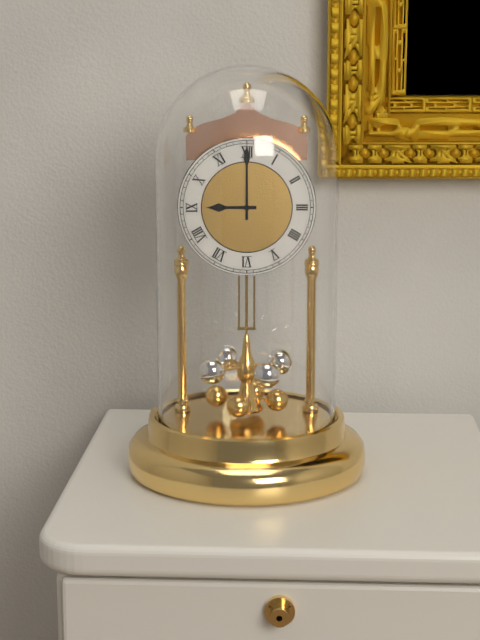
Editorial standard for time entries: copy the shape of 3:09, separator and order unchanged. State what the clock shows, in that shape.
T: 9:00
